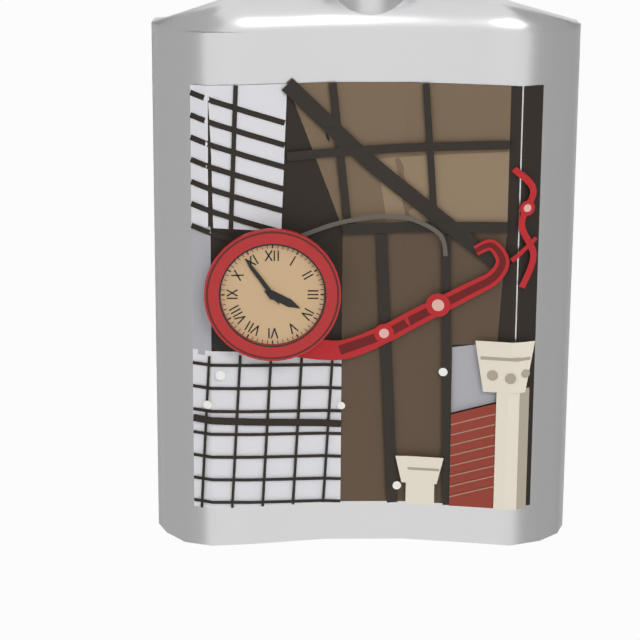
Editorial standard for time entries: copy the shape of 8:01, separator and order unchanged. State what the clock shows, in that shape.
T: 3:54
